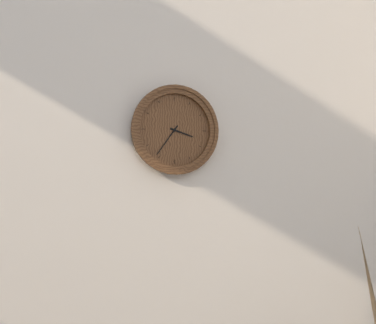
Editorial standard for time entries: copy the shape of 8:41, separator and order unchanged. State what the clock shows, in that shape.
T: 3:36
